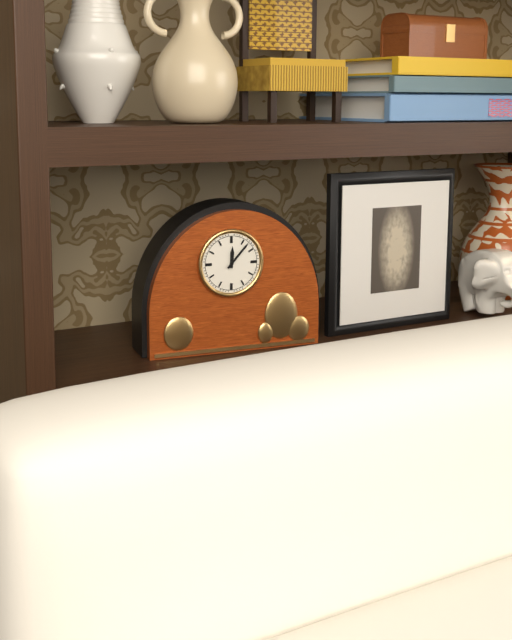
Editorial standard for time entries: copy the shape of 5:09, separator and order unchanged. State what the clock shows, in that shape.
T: 12:07
